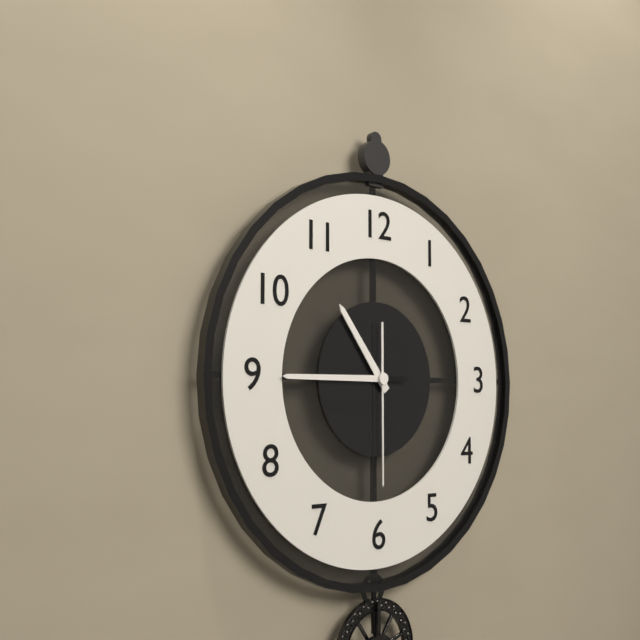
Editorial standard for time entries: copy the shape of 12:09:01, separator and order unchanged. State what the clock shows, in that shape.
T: 10:45:30
